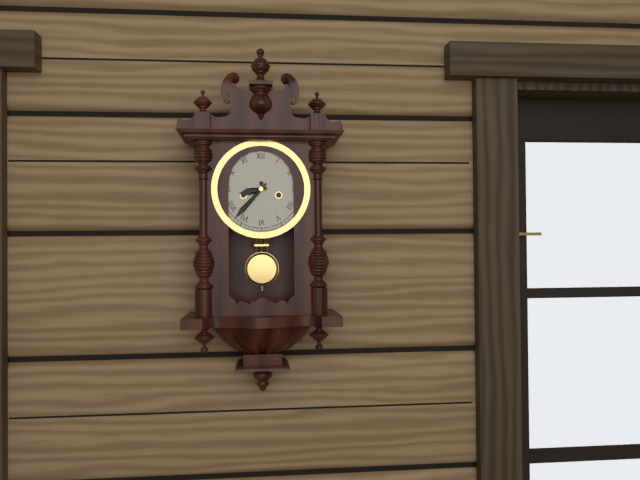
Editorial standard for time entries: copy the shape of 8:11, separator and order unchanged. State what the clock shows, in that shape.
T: 8:37
